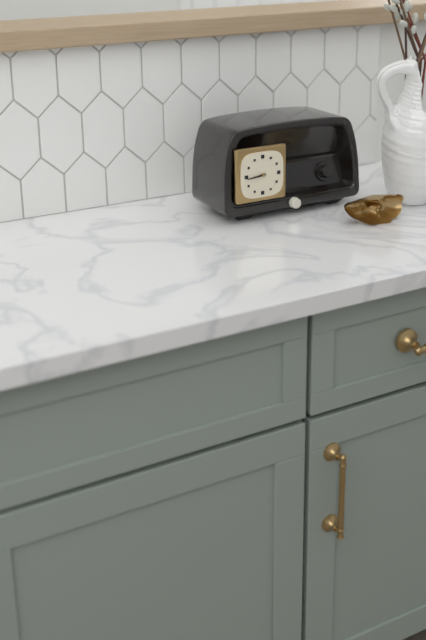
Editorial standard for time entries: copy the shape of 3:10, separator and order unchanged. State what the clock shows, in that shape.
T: 8:44
